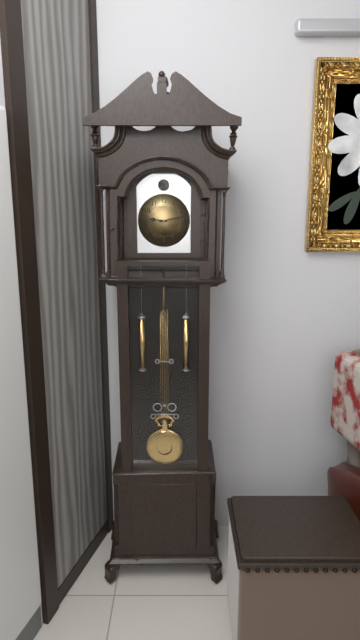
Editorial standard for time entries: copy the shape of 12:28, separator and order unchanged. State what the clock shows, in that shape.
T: 9:13
